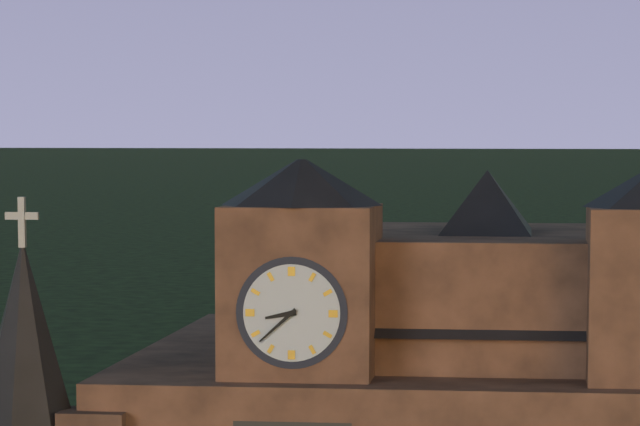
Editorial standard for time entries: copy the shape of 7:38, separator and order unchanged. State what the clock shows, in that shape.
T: 8:38
